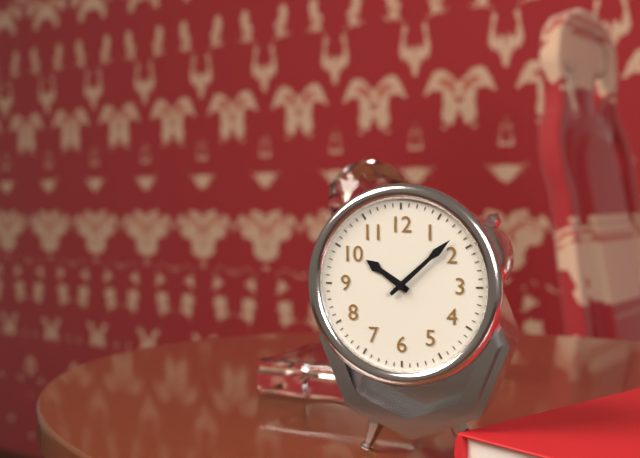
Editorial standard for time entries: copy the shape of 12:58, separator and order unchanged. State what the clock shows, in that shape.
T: 10:08
